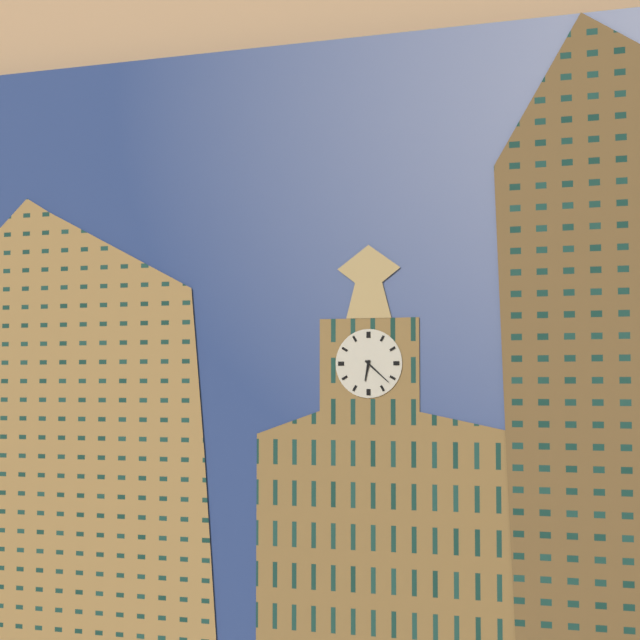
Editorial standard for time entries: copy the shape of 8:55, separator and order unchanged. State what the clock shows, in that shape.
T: 6:22
